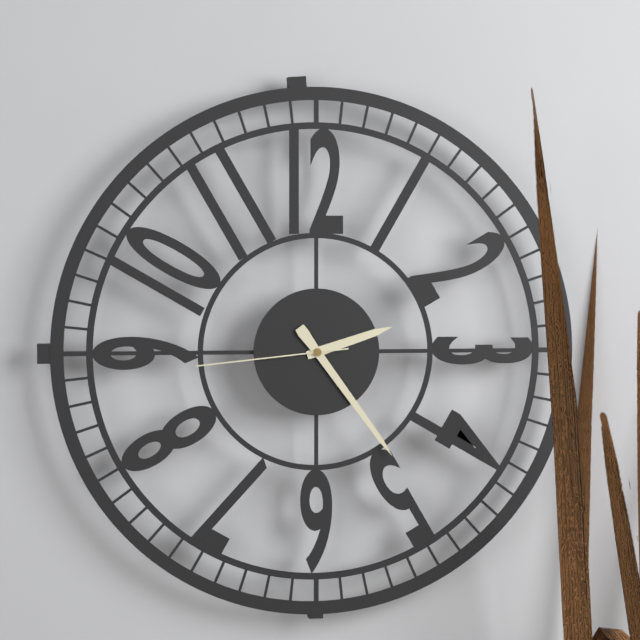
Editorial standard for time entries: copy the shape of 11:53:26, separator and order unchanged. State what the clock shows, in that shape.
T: 2:24:44
